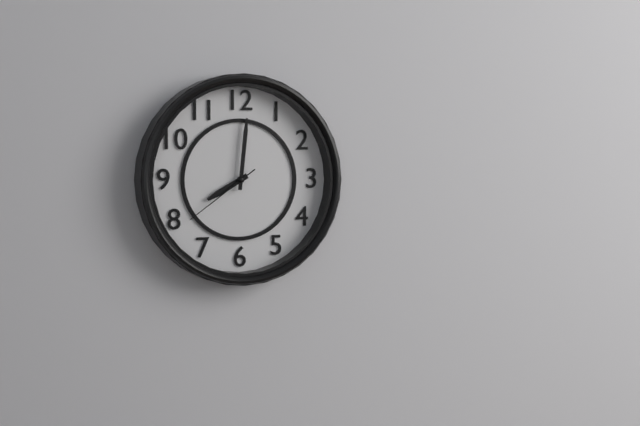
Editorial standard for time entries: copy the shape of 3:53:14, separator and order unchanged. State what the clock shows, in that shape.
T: 8:01:39
